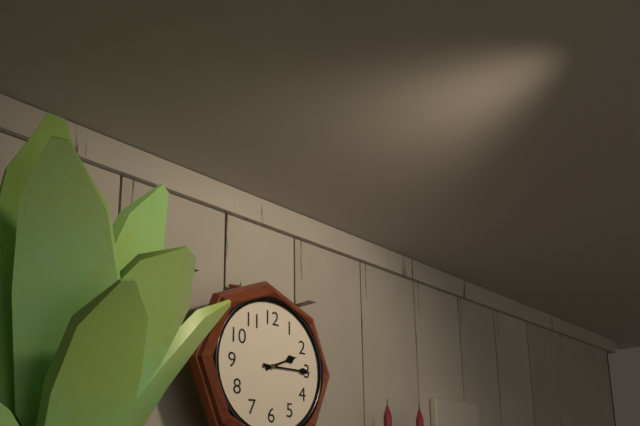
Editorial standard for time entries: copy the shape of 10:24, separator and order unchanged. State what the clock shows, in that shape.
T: 2:15
